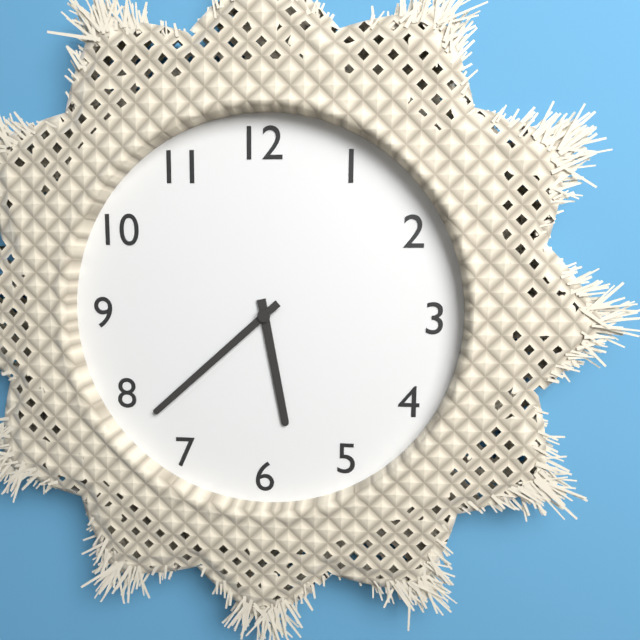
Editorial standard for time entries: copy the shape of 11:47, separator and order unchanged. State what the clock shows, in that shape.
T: 5:38
